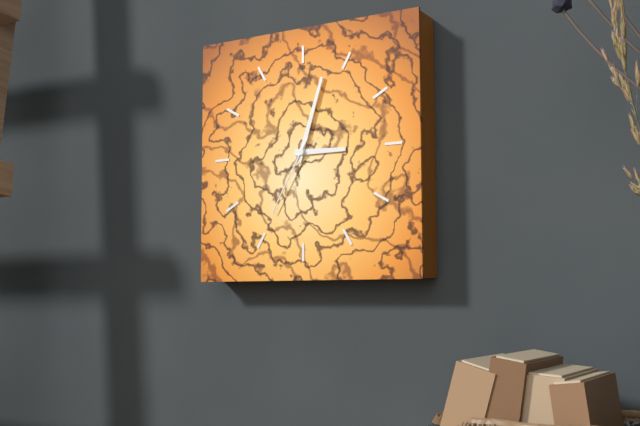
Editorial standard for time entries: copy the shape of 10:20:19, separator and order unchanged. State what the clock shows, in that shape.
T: 3:03:35
